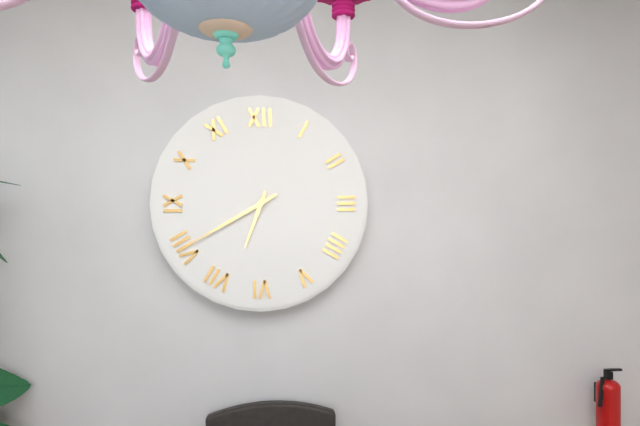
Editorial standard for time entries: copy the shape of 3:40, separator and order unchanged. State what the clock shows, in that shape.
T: 6:40
